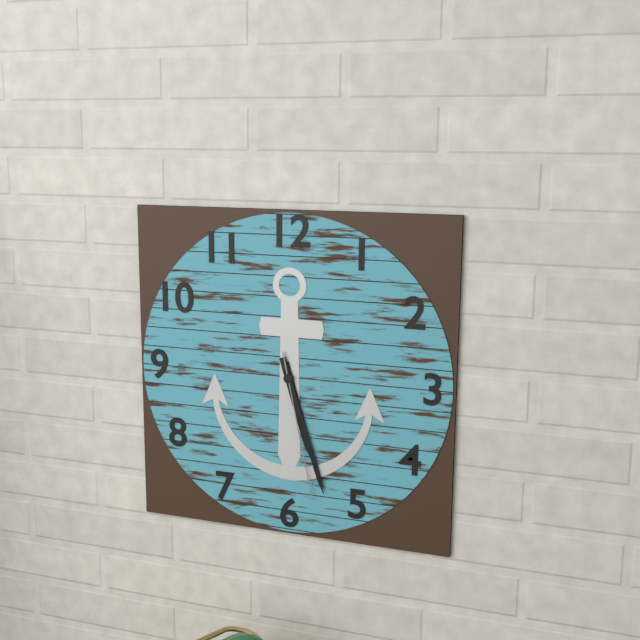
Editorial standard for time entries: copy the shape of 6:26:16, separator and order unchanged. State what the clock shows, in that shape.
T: 5:27:28
